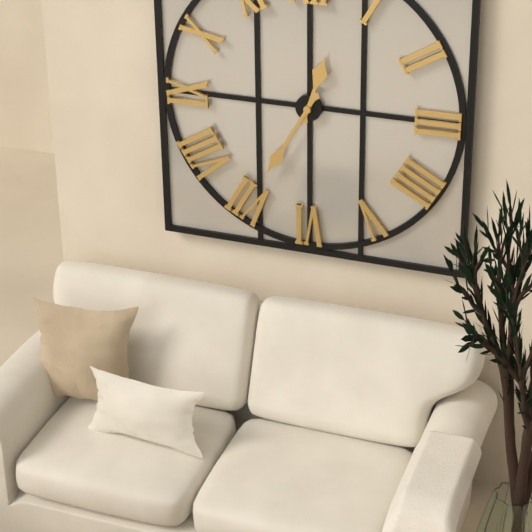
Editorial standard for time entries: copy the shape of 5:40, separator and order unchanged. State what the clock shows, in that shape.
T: 12:35
